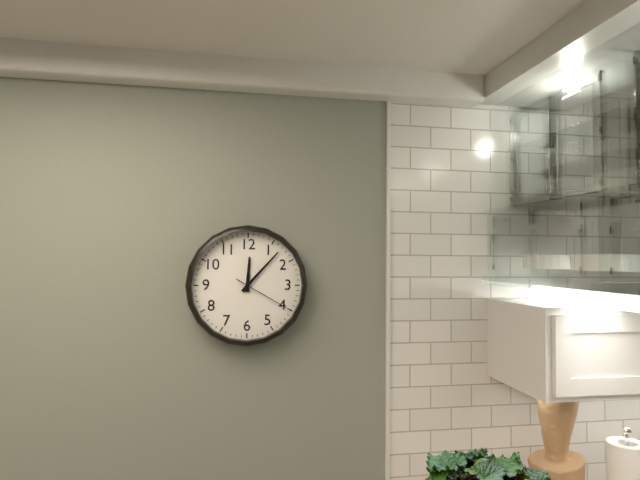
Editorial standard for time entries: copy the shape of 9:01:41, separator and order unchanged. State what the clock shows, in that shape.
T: 12:07:20
